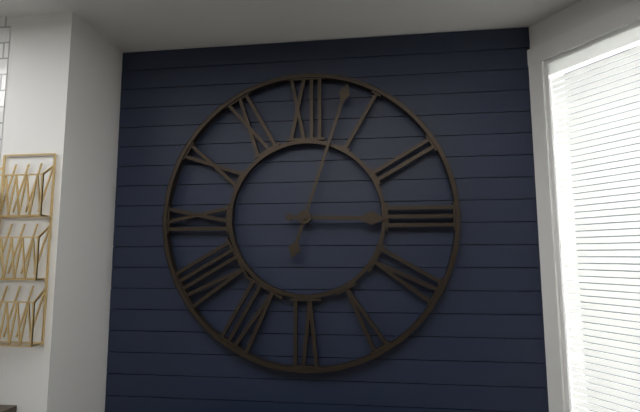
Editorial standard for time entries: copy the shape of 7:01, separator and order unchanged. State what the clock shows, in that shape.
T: 3:03
